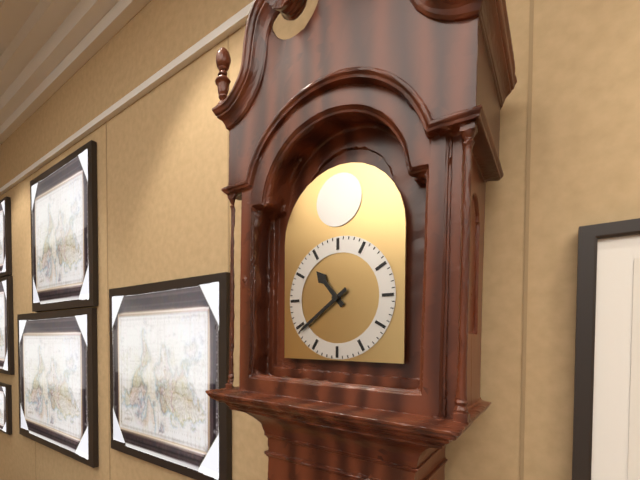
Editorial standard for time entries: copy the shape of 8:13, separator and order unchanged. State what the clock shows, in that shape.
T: 10:39
